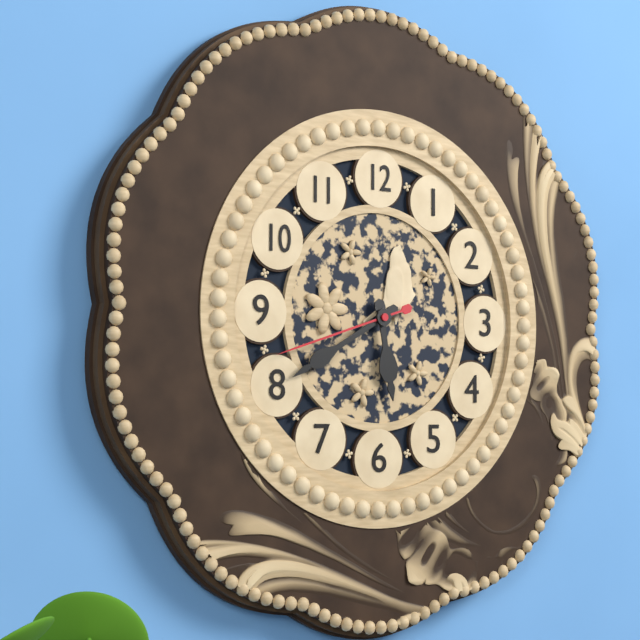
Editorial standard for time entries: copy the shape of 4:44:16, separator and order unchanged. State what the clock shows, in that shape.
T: 5:40:42
